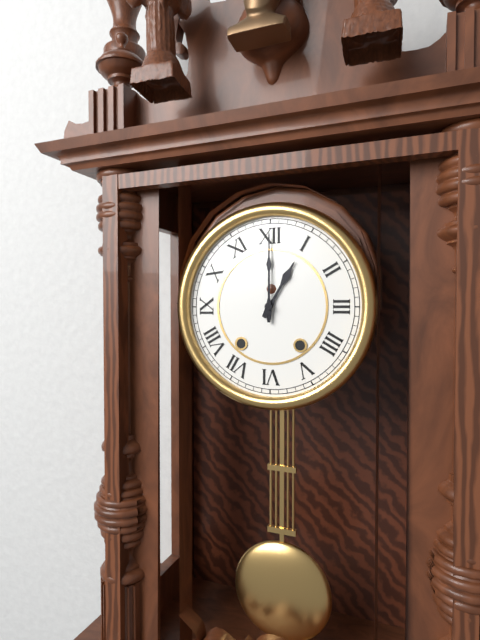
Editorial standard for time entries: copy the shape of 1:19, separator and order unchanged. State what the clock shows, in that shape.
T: 1:00
